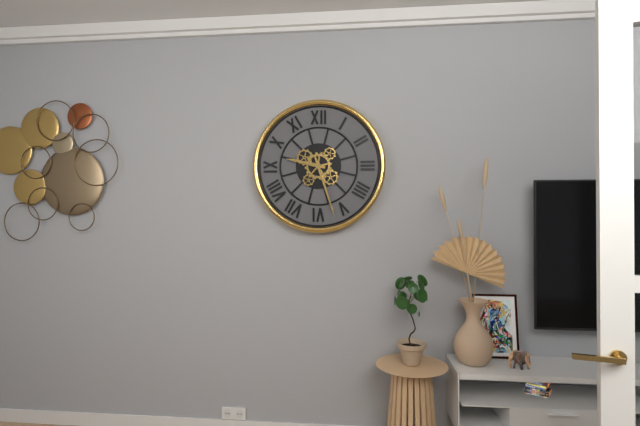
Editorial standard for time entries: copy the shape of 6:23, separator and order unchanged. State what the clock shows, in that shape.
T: 9:27
